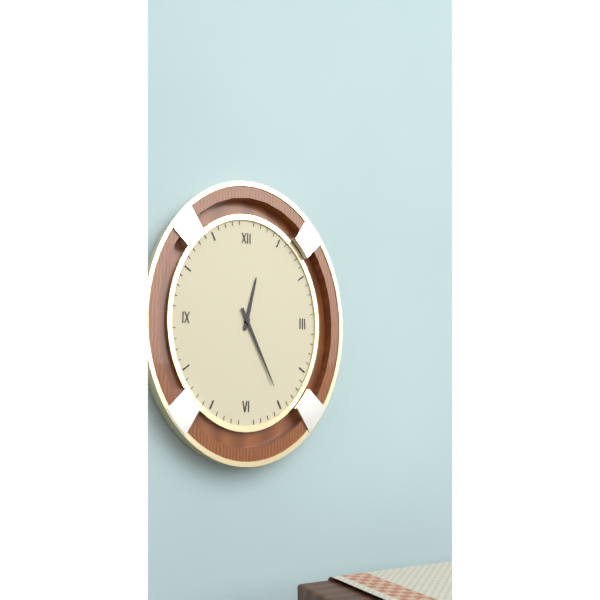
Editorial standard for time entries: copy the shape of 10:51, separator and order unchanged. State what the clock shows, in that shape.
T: 12:26
